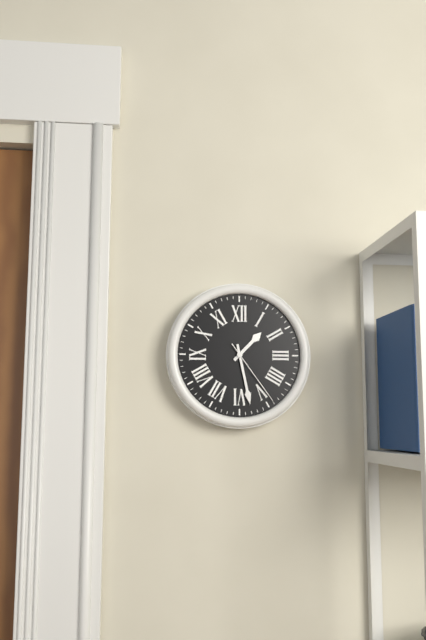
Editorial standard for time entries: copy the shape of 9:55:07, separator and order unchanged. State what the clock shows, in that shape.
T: 1:28:24
